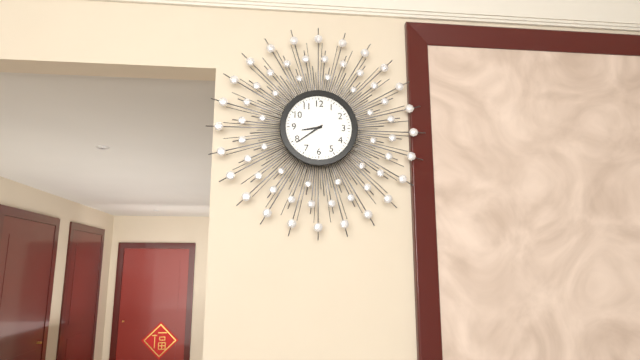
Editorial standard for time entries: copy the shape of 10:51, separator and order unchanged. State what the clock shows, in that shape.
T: 8:39
